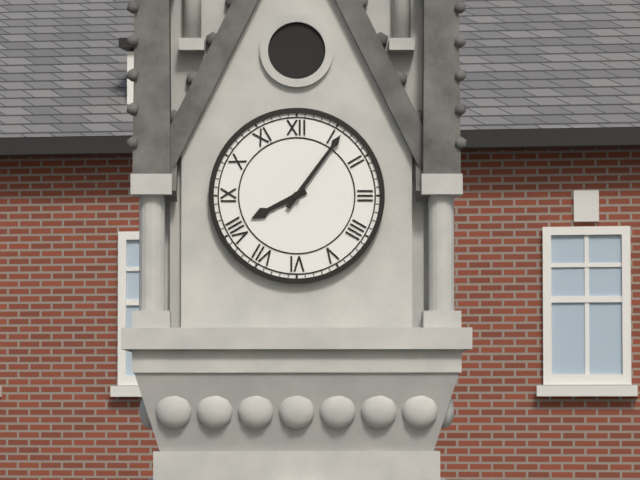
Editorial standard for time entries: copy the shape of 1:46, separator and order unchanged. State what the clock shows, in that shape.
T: 8:06
